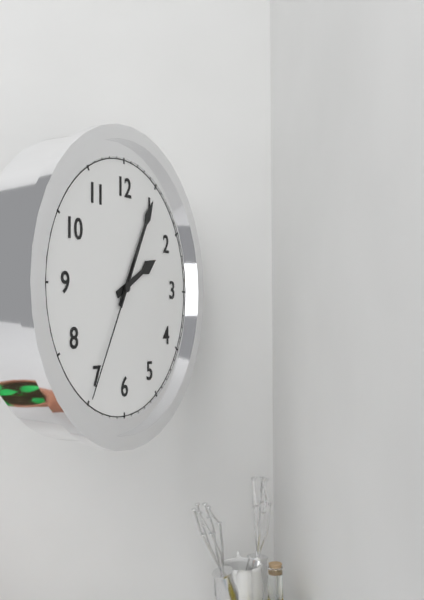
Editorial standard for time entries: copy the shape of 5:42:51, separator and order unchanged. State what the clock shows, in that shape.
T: 2:05:35
